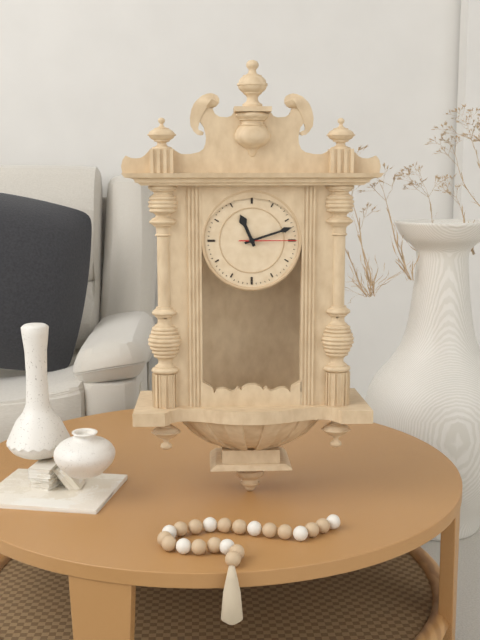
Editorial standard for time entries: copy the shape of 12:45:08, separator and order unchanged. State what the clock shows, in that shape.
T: 11:12:15
